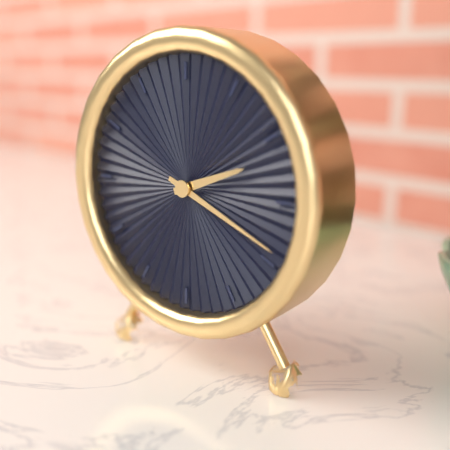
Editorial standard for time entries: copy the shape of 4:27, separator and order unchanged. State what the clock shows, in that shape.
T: 2:19
